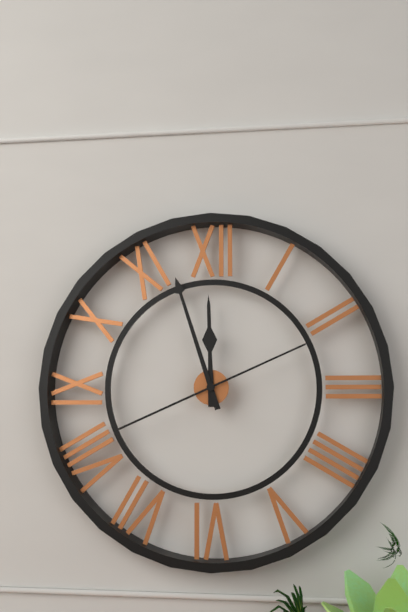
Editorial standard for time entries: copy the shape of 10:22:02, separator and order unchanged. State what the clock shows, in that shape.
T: 11:57:11
